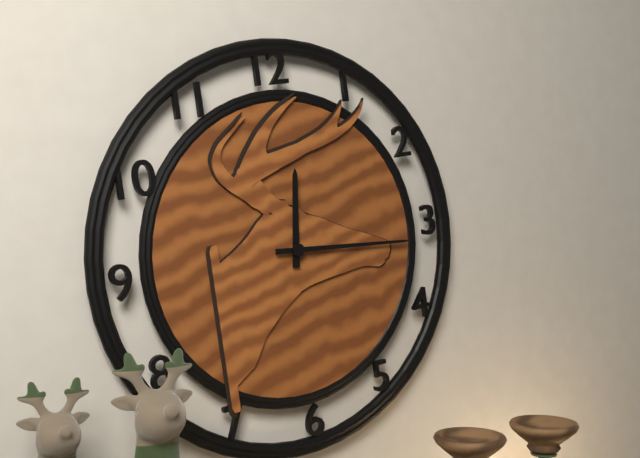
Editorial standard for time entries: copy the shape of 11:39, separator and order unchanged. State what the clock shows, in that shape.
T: 12:16
